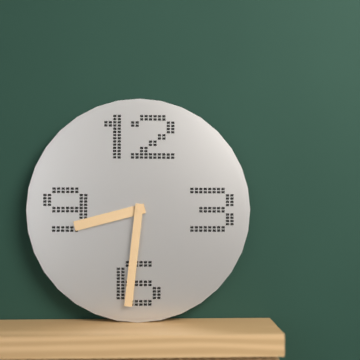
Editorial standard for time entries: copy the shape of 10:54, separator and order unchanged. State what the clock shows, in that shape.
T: 8:31
